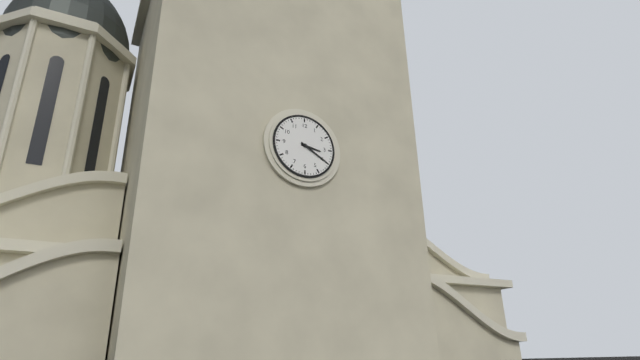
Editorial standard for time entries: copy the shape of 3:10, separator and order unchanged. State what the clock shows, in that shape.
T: 3:20
